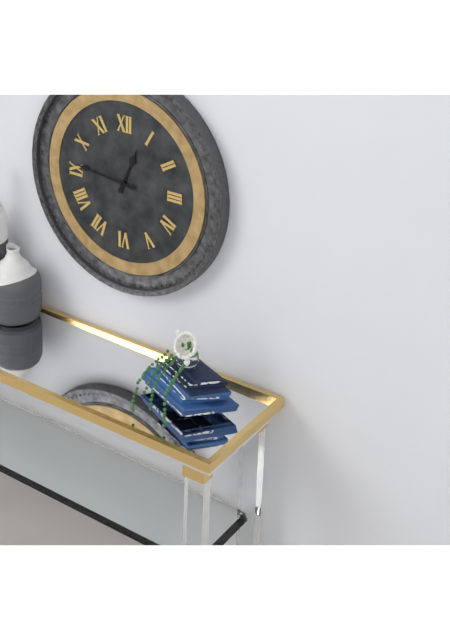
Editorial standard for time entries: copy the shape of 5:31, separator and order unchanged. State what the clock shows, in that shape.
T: 12:46
